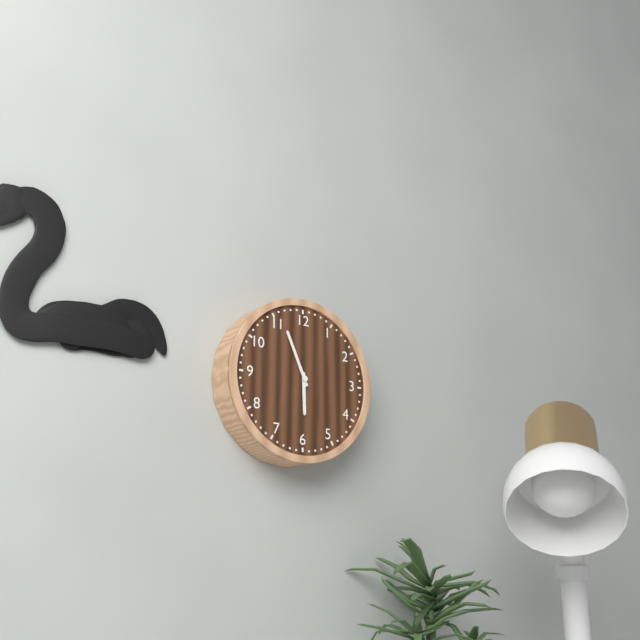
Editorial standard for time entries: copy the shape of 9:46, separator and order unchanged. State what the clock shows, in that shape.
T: 5:56
